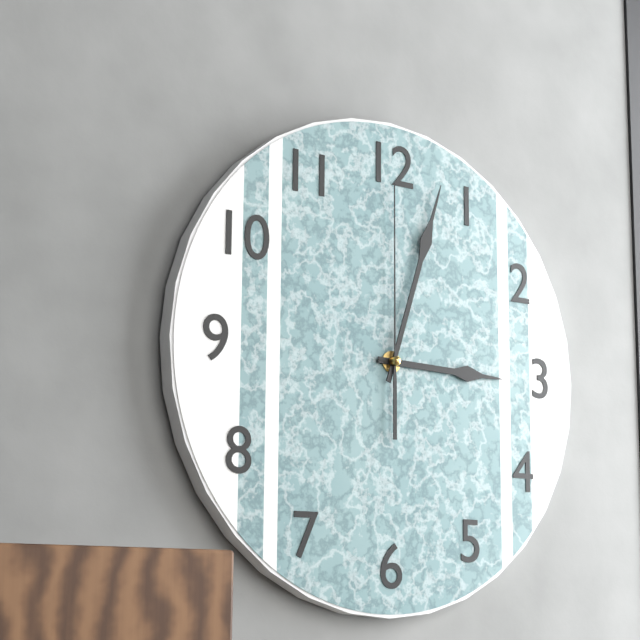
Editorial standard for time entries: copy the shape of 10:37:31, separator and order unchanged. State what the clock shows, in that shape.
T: 3:03:00
